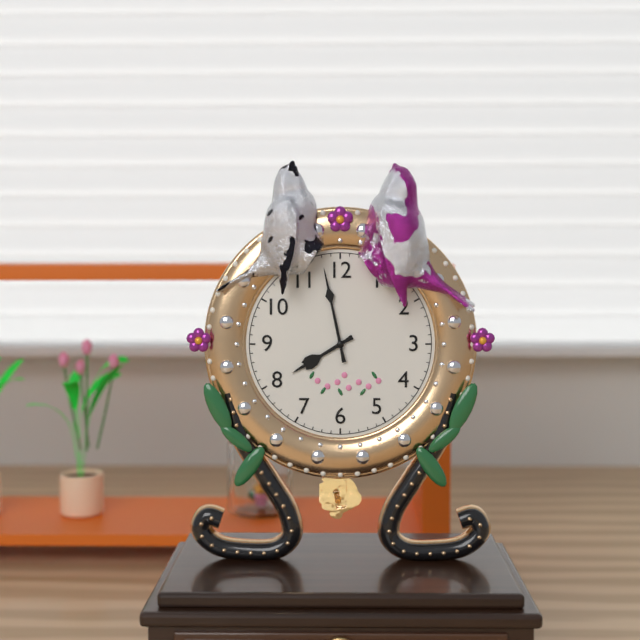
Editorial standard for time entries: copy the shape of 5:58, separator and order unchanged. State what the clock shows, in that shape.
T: 7:58
